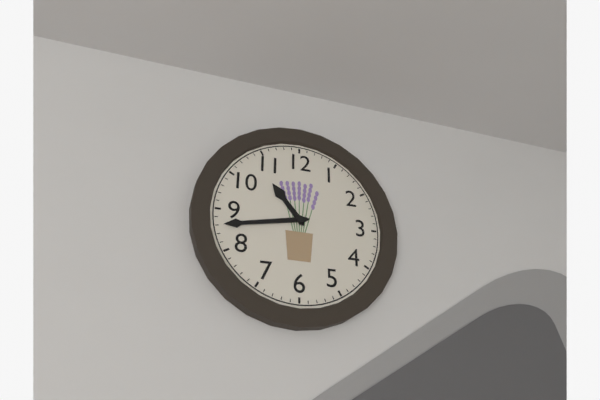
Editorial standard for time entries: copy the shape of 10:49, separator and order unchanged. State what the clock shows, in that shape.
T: 10:43
